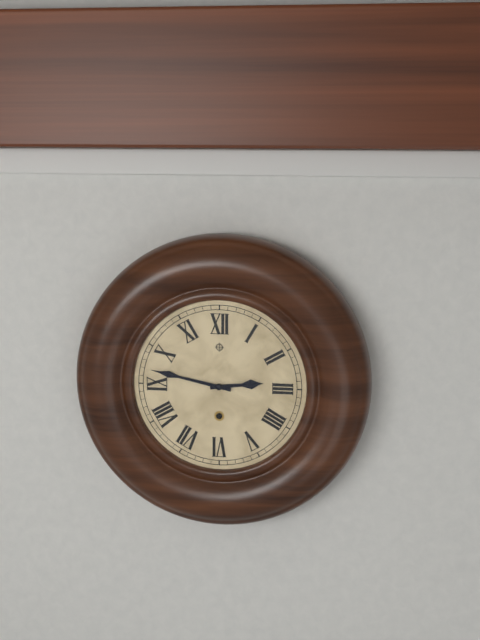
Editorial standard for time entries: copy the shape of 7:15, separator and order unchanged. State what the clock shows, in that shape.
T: 2:47
